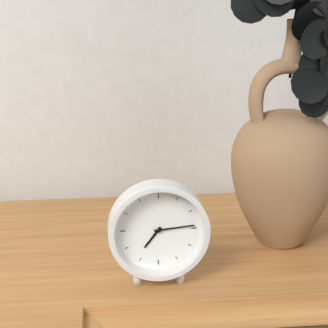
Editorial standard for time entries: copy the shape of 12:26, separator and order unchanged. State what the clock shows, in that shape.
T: 7:14
